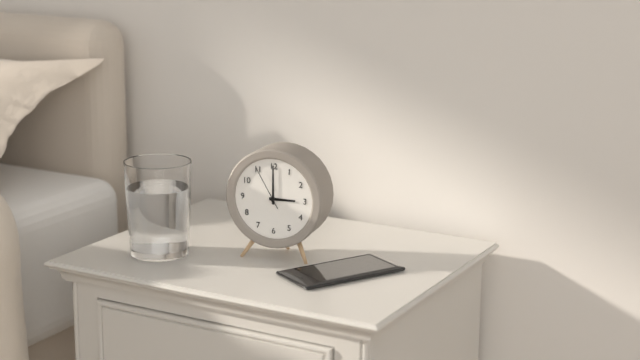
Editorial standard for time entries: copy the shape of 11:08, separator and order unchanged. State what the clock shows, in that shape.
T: 3:00
